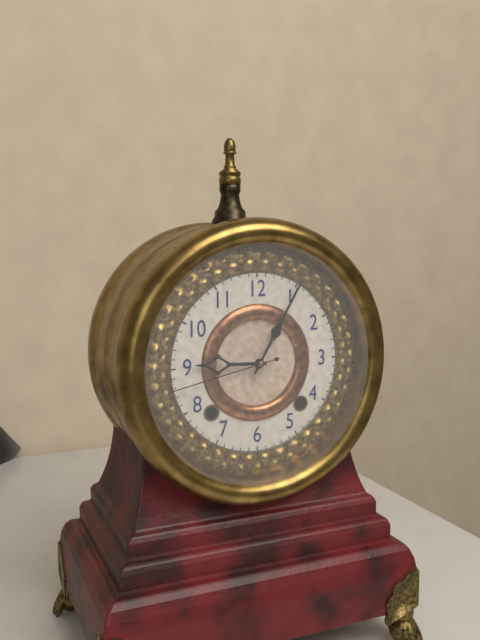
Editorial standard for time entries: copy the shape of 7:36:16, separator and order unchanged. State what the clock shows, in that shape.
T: 9:05:43
